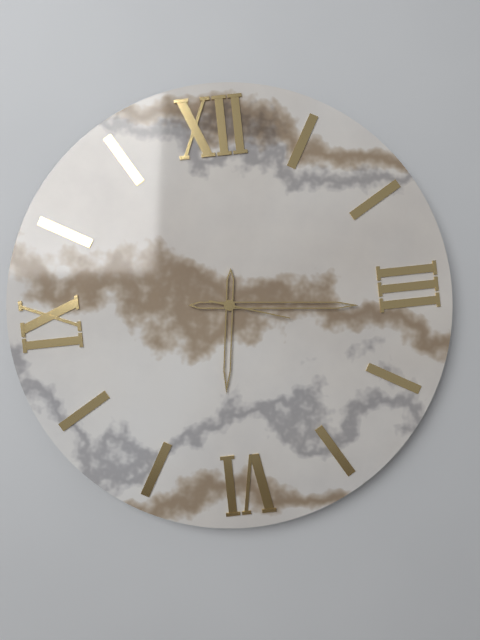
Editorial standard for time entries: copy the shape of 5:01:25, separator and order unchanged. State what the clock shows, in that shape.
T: 6:16:18
